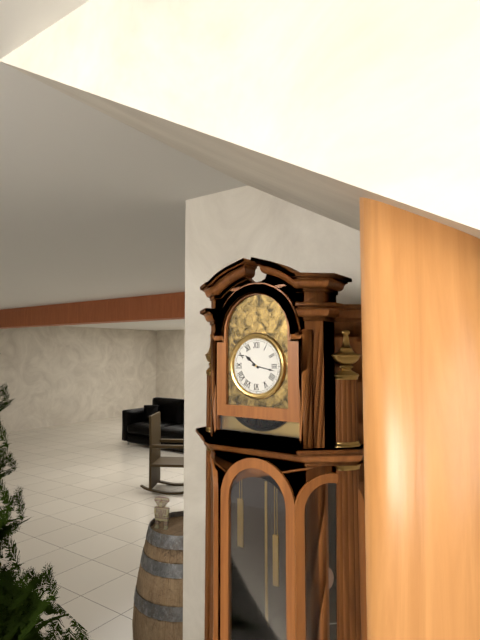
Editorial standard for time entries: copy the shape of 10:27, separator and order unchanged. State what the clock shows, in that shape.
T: 10:17
